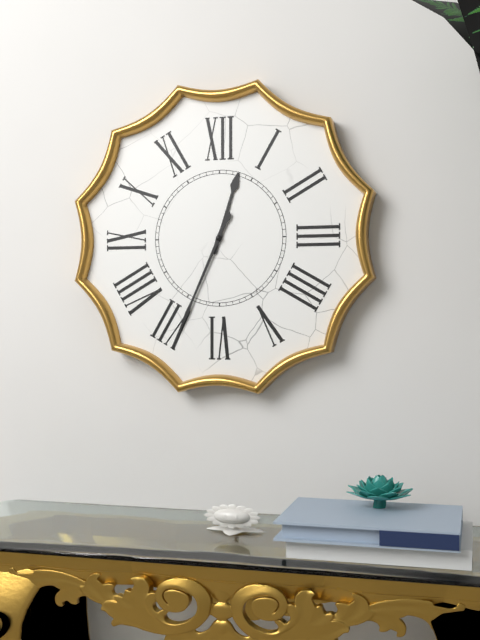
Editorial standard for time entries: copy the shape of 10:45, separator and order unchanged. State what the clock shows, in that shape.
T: 12:34
